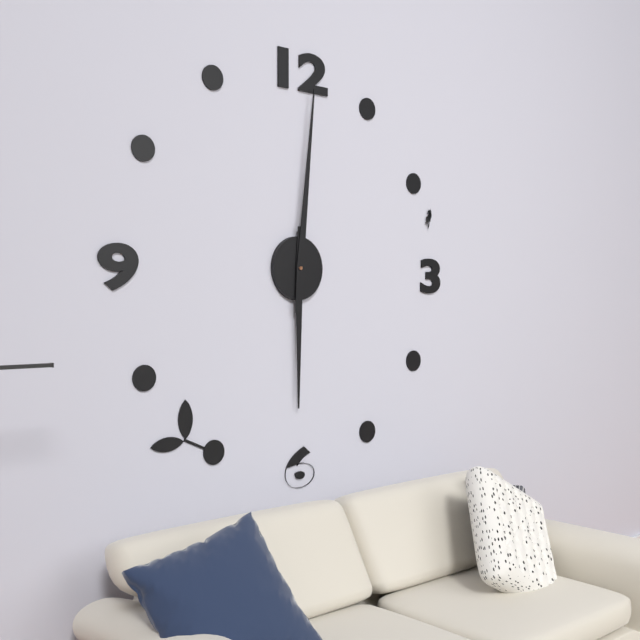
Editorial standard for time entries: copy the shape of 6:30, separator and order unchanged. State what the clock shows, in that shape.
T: 6:01
